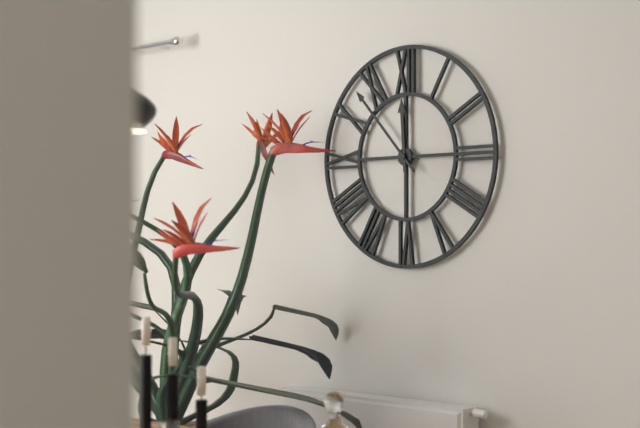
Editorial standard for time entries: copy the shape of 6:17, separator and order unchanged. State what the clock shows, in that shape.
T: 11:53
